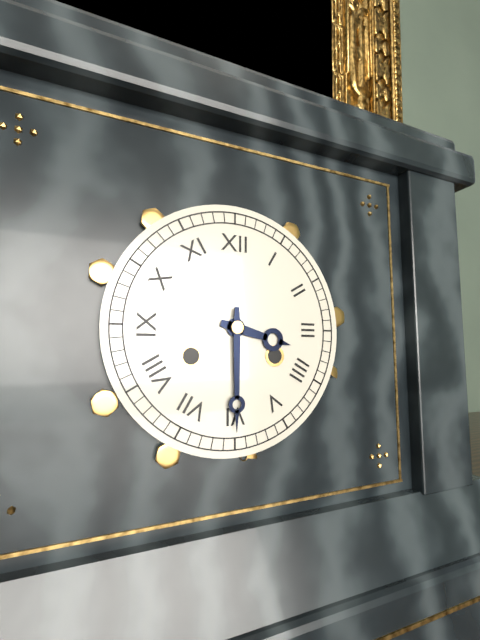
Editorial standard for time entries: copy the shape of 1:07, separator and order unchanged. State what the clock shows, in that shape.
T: 3:30
